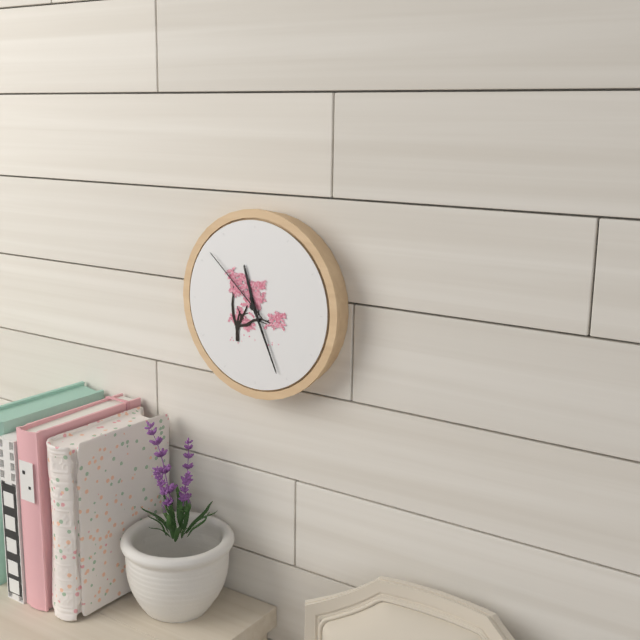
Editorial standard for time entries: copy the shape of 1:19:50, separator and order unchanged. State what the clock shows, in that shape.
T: 11:26:52
